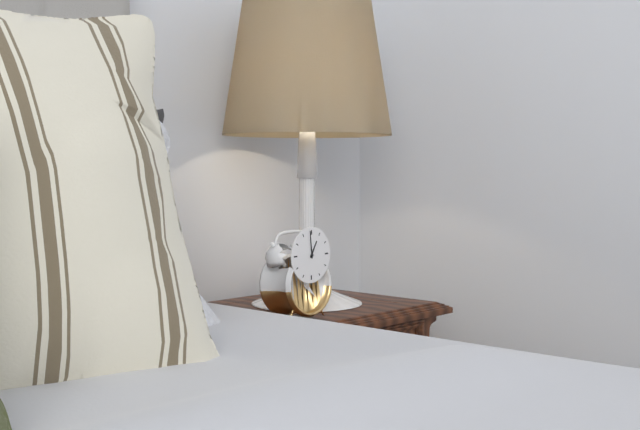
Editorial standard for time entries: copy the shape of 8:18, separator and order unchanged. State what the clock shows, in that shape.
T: 12:59
